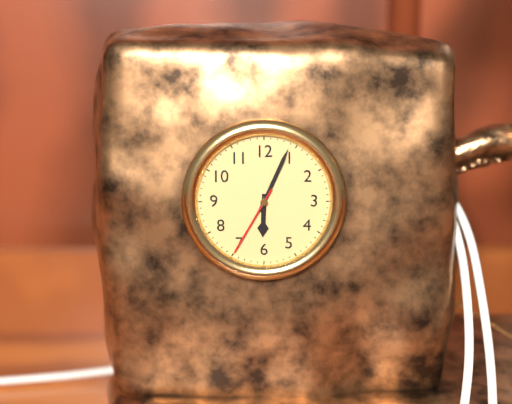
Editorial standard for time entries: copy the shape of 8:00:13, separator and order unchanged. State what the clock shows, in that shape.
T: 6:04:35
